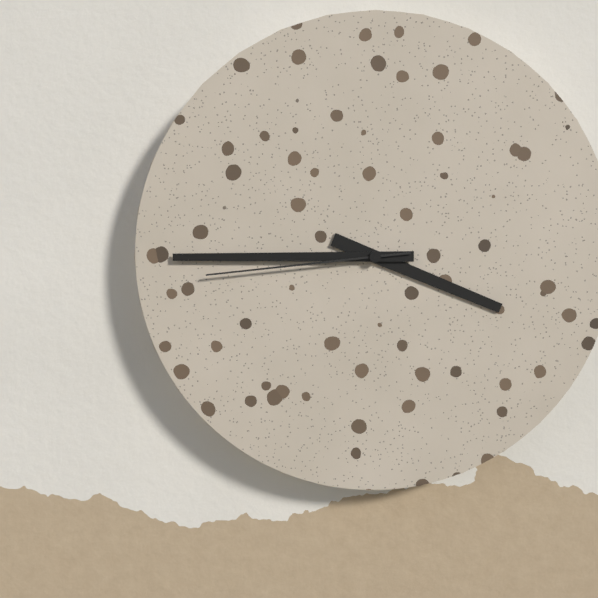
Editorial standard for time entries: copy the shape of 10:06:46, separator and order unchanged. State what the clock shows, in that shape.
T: 3:45:44
